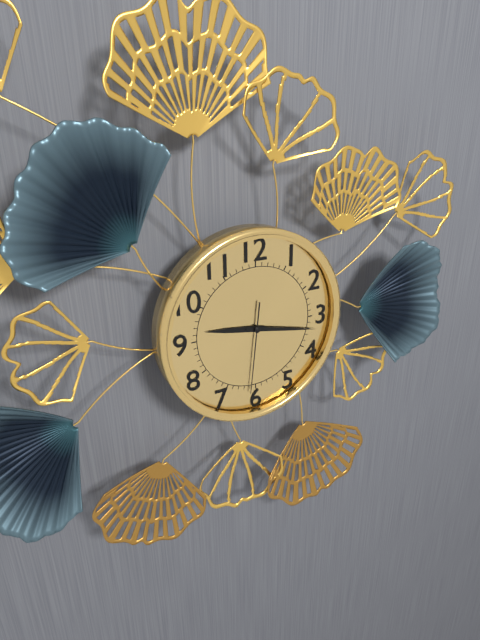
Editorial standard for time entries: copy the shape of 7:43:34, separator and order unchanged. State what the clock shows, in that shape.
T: 9:17:31
